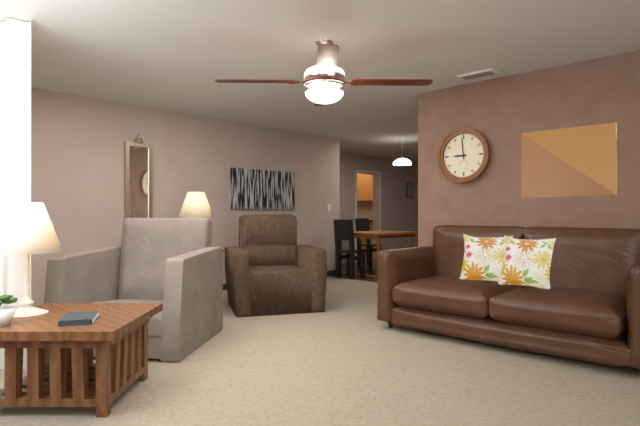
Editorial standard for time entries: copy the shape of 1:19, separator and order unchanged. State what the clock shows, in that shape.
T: 8:59
